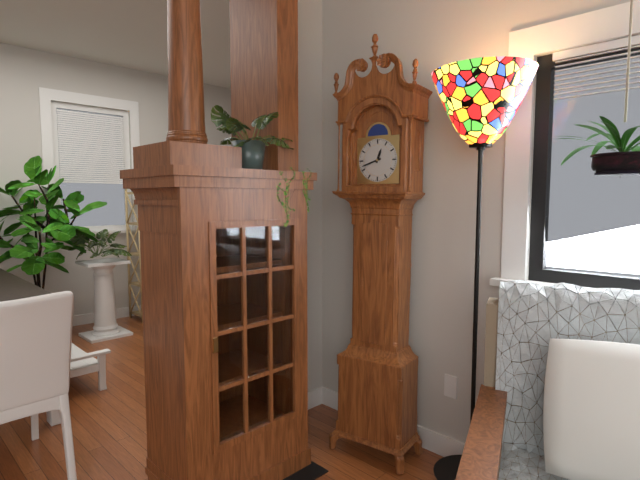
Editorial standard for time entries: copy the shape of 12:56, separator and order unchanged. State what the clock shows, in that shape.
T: 12:42
